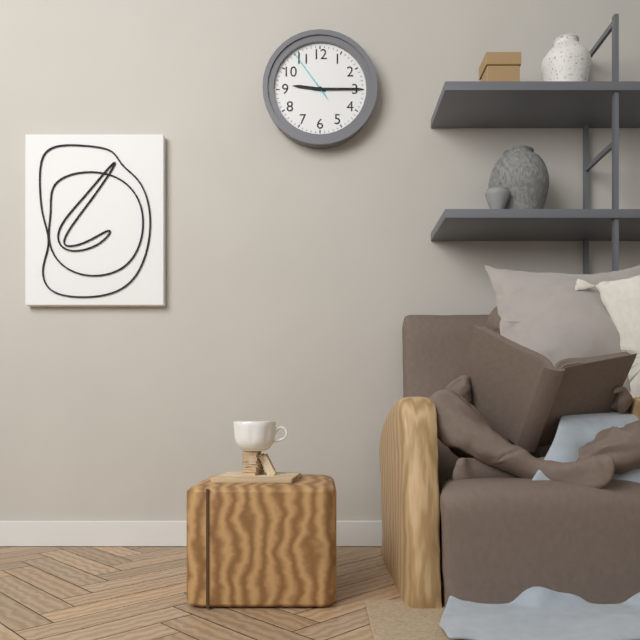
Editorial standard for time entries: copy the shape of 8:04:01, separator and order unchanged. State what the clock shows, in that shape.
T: 9:15:54
